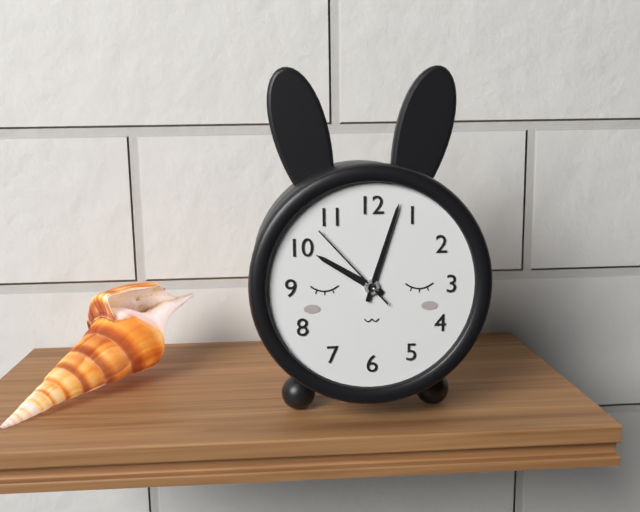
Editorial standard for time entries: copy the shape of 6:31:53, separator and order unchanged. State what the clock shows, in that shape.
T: 10:03:53
